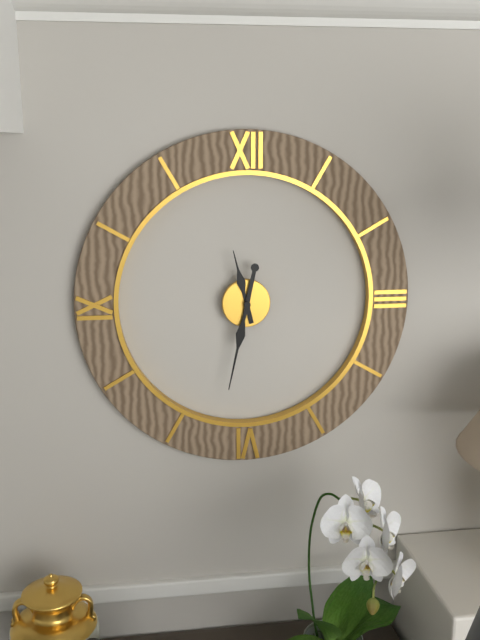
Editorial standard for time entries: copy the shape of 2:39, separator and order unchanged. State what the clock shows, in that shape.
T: 11:32
